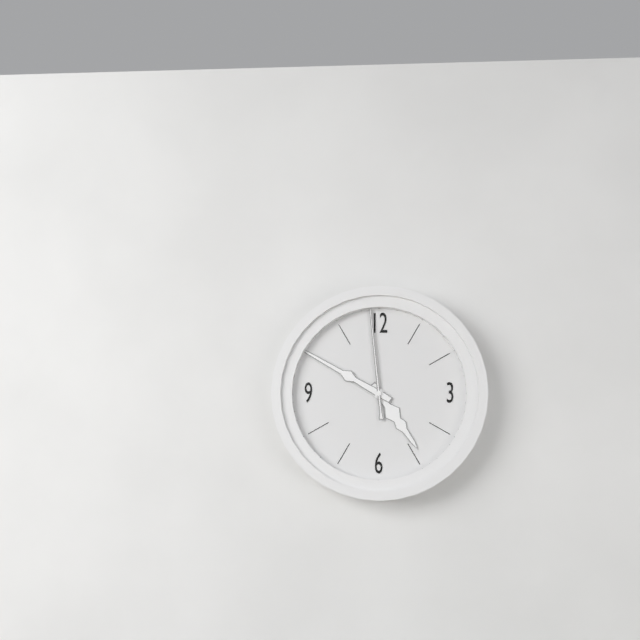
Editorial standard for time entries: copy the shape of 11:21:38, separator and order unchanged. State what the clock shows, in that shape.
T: 4:50:59
